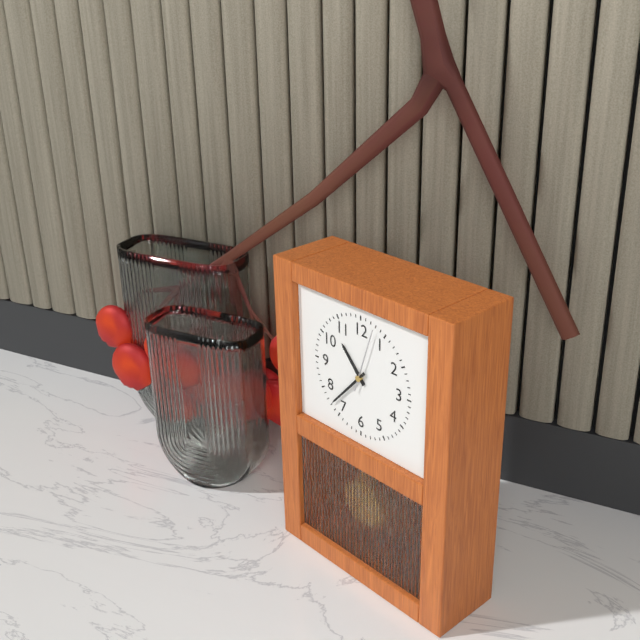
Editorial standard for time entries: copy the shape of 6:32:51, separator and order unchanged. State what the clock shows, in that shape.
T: 10:37:03
